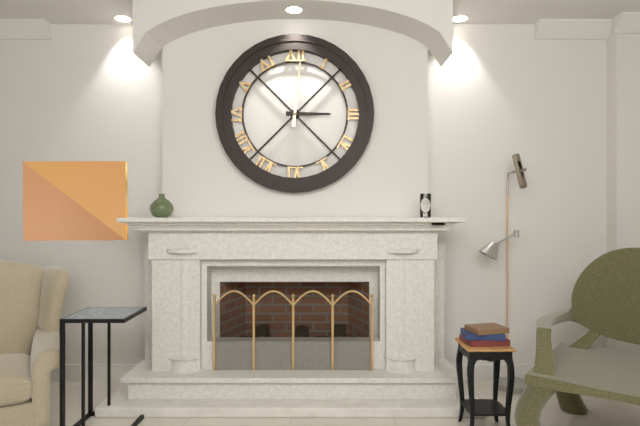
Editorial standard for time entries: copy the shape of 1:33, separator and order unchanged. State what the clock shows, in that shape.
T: 3:01
